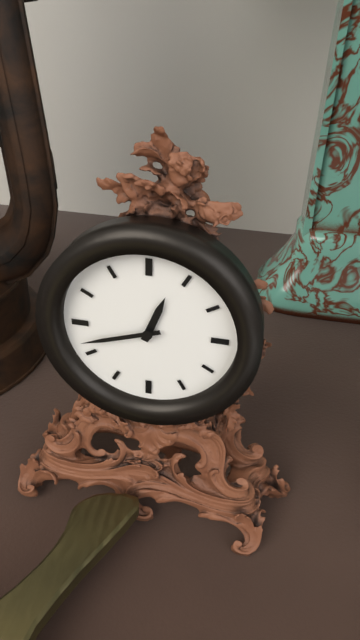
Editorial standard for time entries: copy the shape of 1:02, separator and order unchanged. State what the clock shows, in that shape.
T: 12:42
